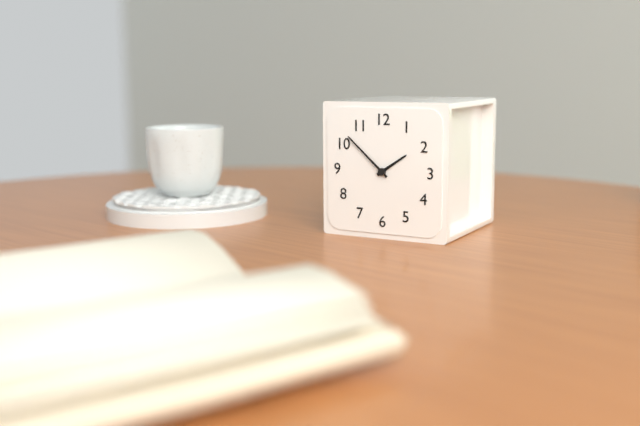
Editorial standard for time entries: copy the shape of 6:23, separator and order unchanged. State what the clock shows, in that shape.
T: 1:52
